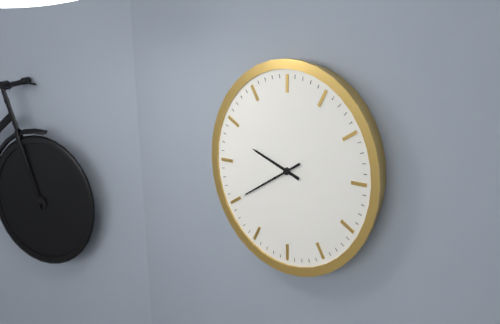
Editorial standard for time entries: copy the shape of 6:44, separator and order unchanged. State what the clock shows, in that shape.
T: 9:40
